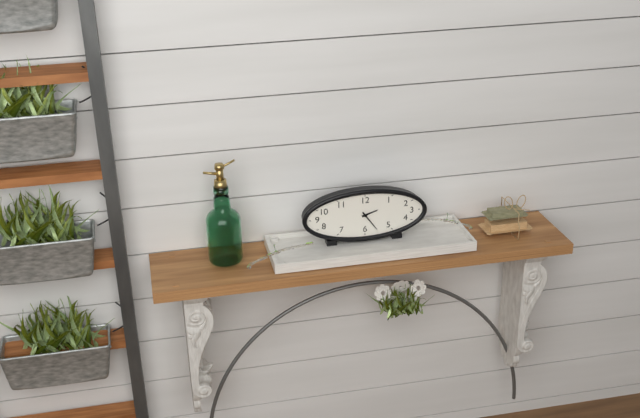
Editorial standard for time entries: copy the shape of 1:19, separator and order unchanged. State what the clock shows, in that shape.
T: 2:24
